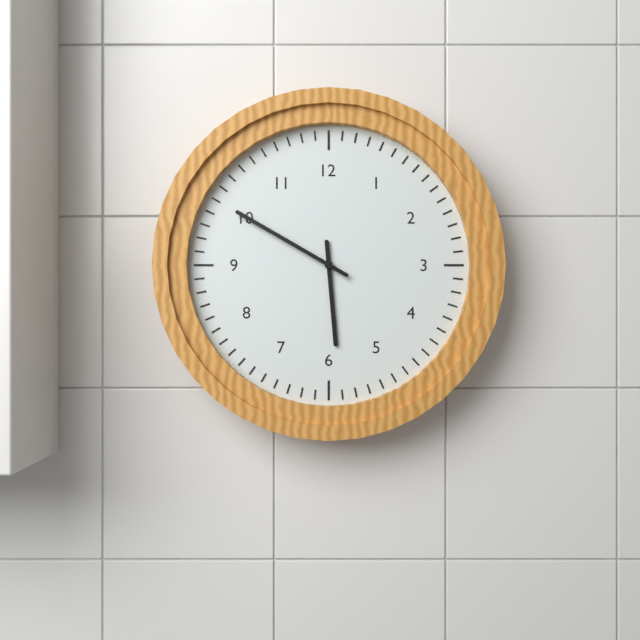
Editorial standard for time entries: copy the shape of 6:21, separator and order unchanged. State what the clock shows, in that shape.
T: 5:50
